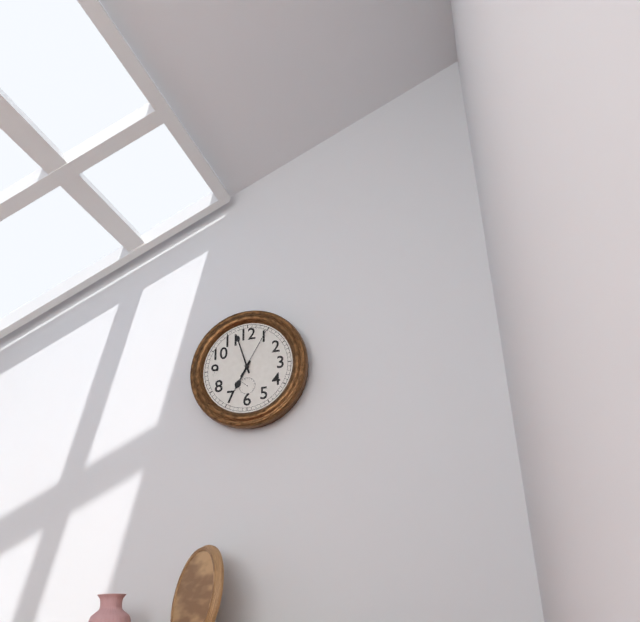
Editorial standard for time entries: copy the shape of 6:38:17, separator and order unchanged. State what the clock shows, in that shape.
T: 6:57:05
